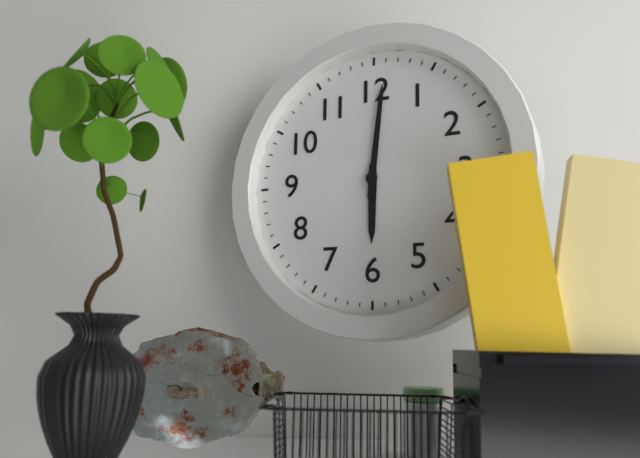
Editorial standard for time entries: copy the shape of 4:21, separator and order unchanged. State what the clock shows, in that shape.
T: 6:01
